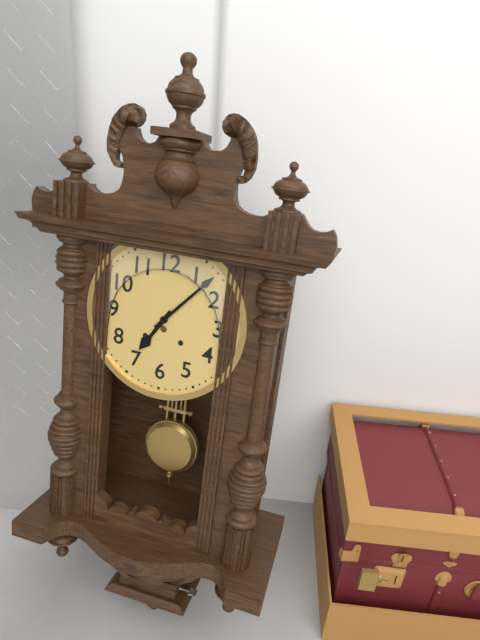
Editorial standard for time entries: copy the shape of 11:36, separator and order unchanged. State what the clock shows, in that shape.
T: 7:07
